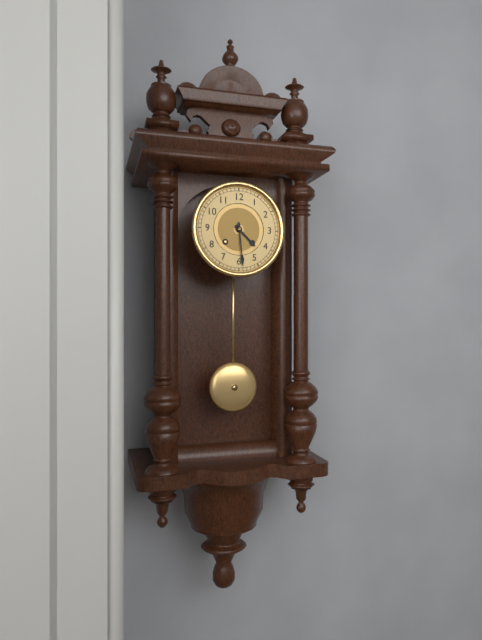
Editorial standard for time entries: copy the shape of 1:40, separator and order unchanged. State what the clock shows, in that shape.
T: 4:29
